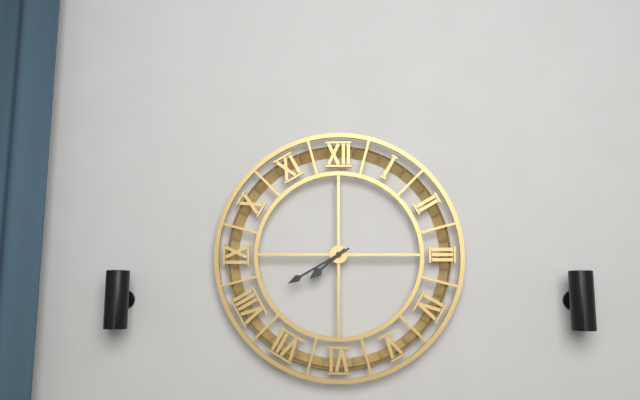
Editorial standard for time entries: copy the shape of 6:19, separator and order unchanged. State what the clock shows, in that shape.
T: 7:40
